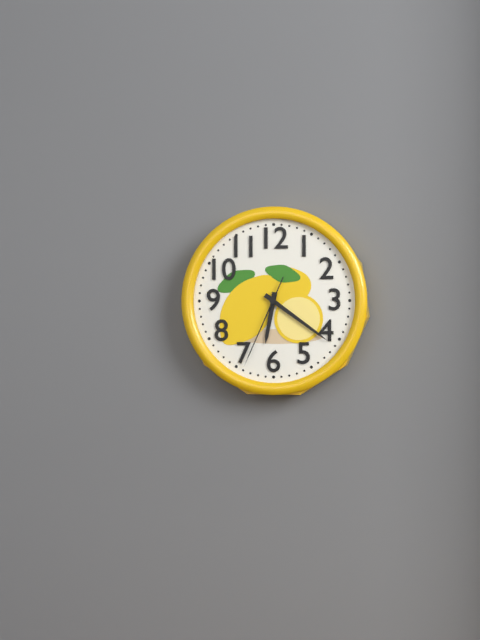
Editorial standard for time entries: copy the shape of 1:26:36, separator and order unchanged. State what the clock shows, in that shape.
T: 6:21:34
